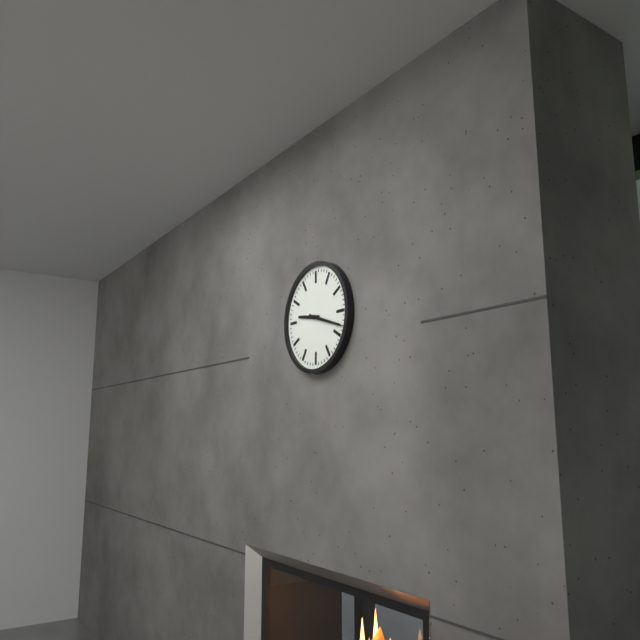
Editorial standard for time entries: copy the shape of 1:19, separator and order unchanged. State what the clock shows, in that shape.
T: 9:18
